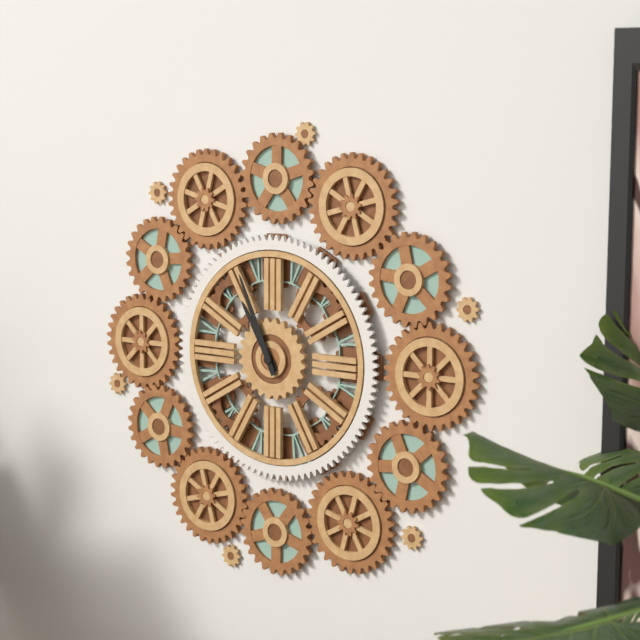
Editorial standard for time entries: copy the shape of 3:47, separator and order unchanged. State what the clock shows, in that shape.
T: 10:56
